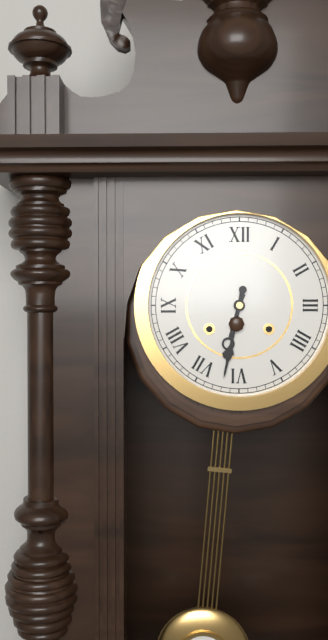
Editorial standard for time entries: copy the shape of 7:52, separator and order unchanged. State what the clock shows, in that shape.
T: 6:32
